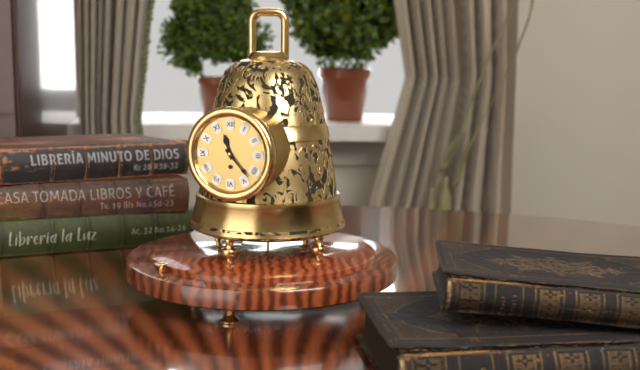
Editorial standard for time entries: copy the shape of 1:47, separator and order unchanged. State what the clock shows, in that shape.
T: 11:23
